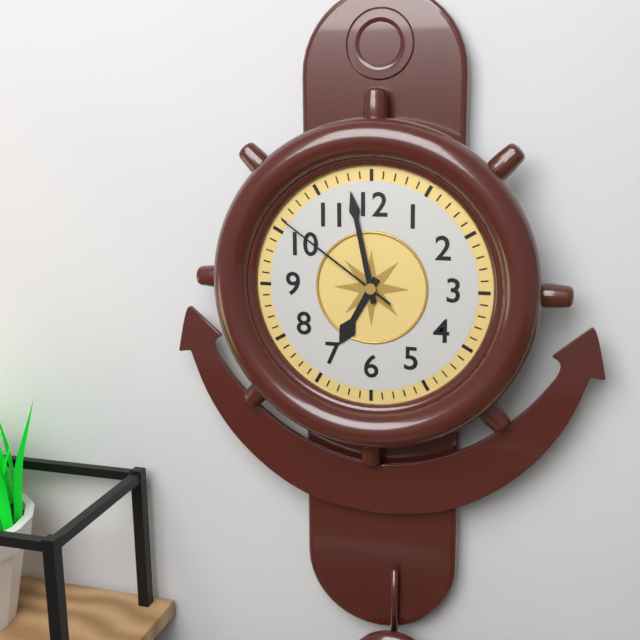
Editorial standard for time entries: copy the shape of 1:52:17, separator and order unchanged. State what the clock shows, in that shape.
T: 6:58:51
